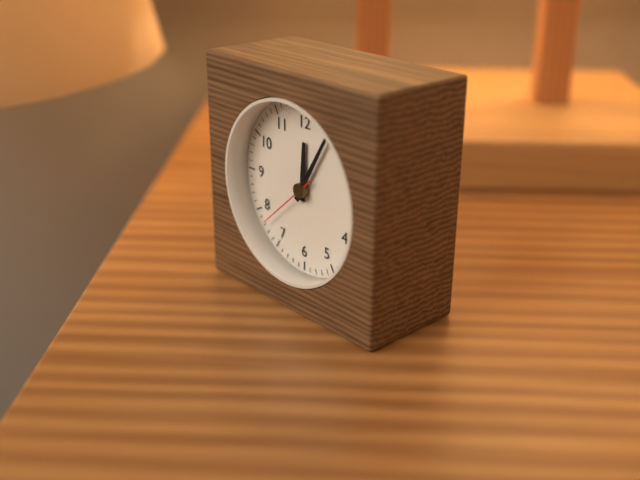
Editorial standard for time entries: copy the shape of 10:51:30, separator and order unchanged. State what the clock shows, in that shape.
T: 12:05:38
